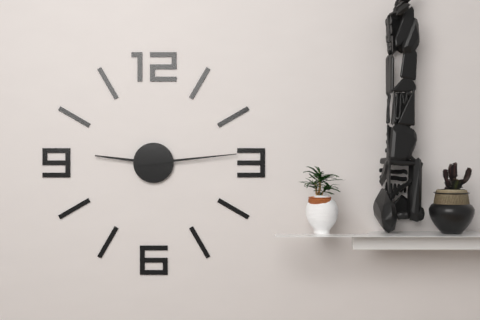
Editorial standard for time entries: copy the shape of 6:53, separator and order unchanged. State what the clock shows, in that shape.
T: 9:14
